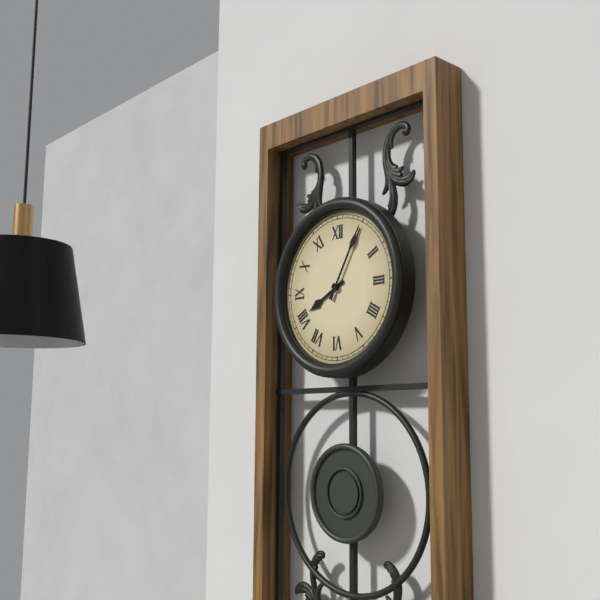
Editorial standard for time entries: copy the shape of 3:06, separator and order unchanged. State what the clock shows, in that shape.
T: 8:05
